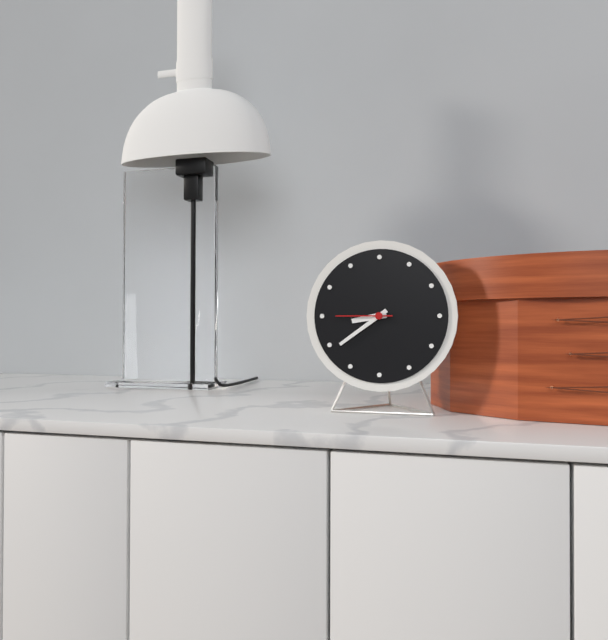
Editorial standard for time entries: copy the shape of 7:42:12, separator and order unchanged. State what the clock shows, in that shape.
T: 8:39:45
